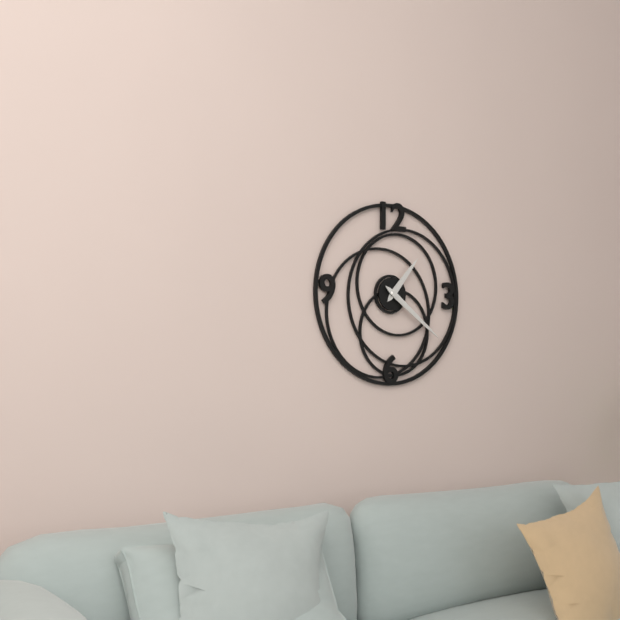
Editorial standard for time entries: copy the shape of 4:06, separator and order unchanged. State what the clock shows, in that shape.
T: 1:21
